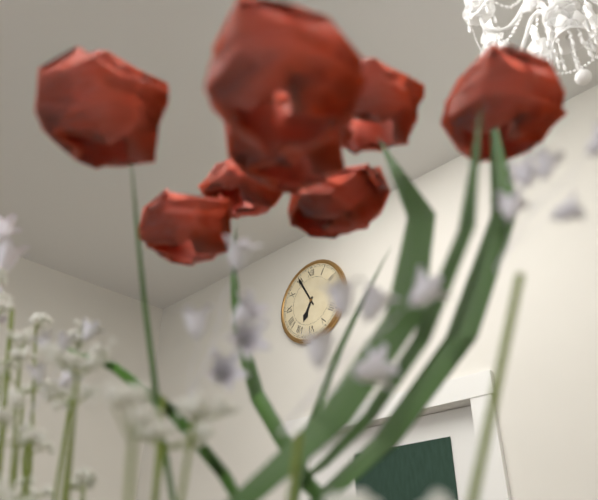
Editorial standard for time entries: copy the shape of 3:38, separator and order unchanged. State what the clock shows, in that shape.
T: 6:55
